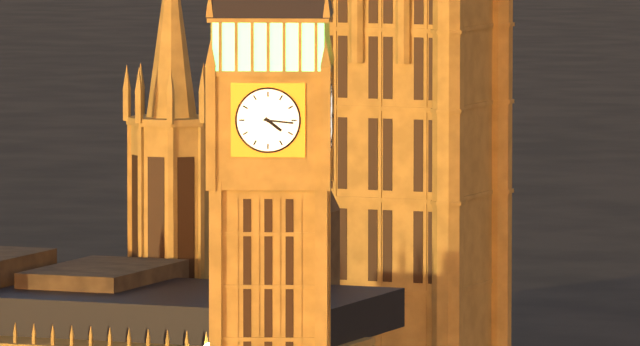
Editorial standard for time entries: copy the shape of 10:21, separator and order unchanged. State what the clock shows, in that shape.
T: 4:16
